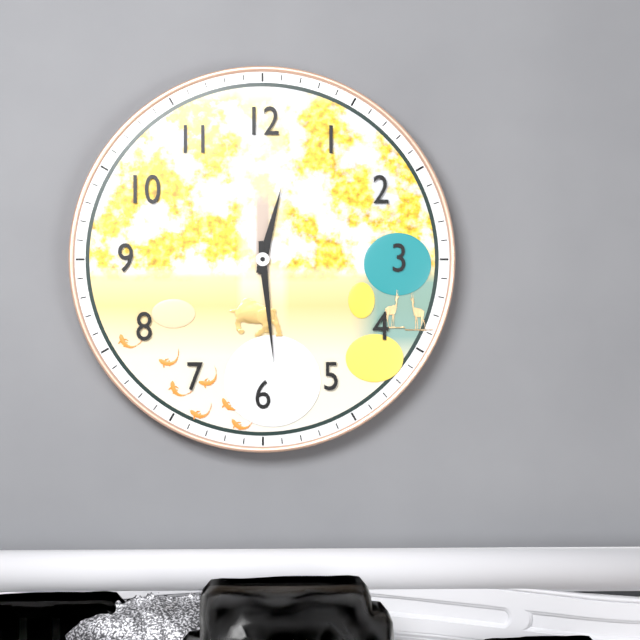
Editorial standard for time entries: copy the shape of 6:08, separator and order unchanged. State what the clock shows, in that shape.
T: 12:29
